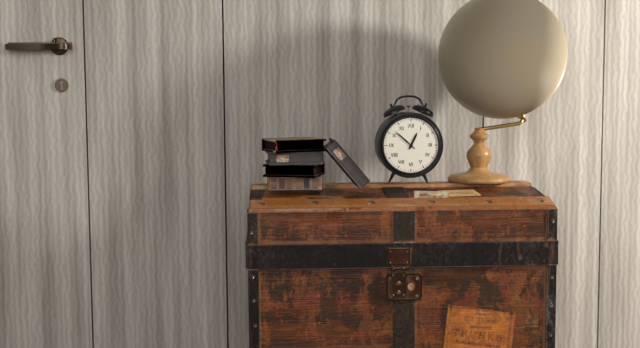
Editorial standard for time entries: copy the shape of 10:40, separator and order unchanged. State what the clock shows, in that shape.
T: 12:52
